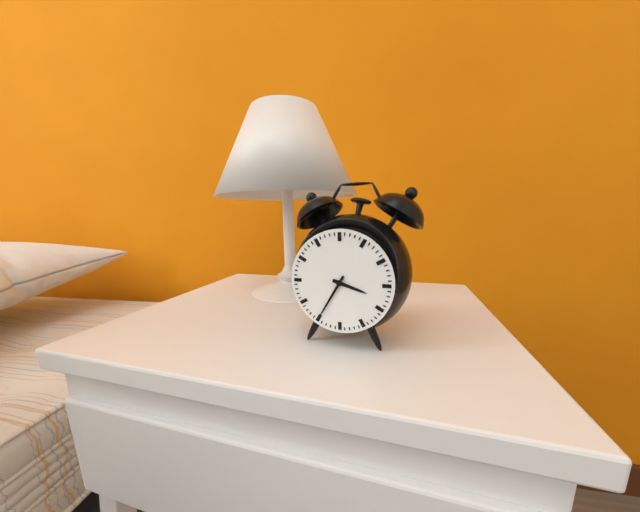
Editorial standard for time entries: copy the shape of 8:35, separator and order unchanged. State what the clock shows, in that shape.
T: 3:35
